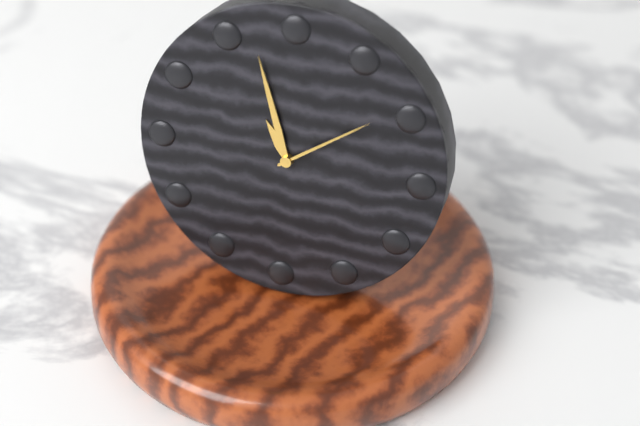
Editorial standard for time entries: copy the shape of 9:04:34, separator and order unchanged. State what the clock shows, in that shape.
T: 10:57:09
